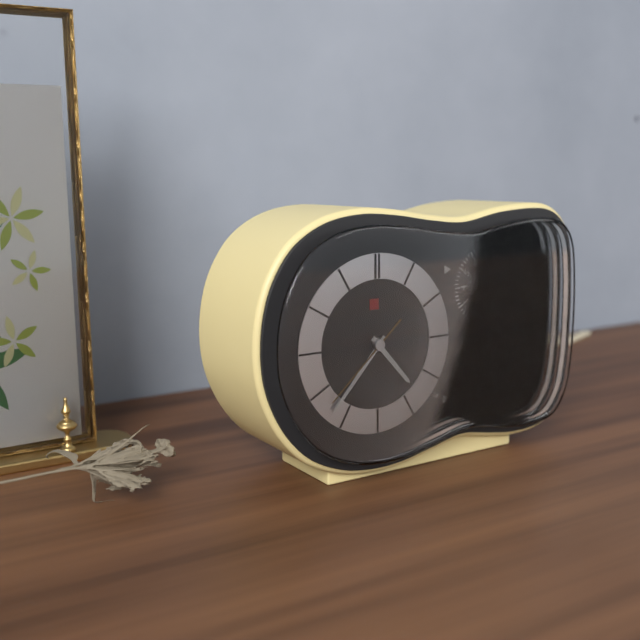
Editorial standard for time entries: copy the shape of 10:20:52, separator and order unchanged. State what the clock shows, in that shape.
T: 4:37:38
